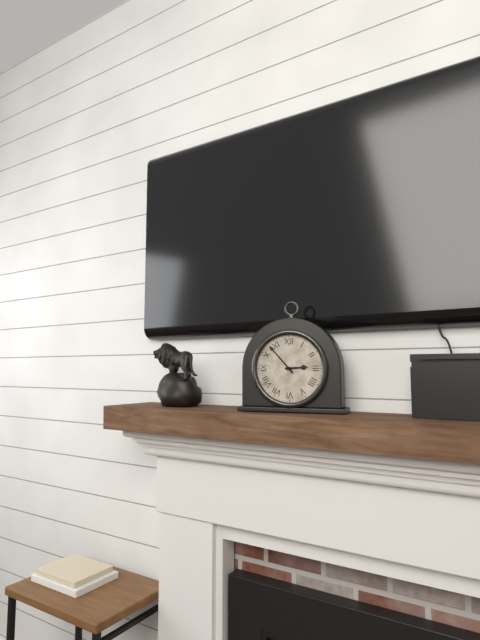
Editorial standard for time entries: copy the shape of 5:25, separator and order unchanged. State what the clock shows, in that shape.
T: 2:53
